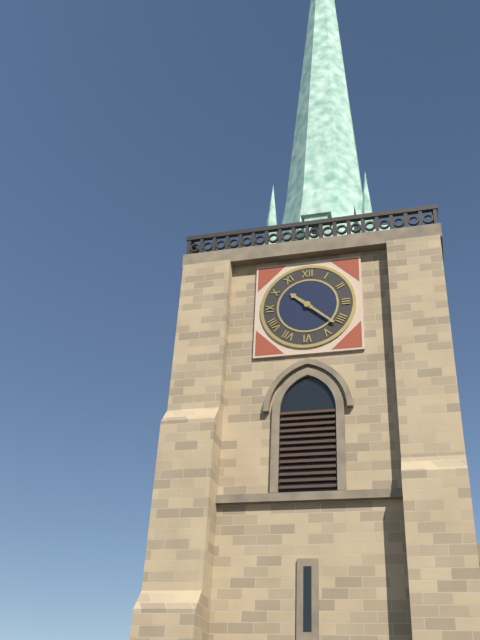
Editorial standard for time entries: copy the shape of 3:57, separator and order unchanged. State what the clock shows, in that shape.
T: 10:22
